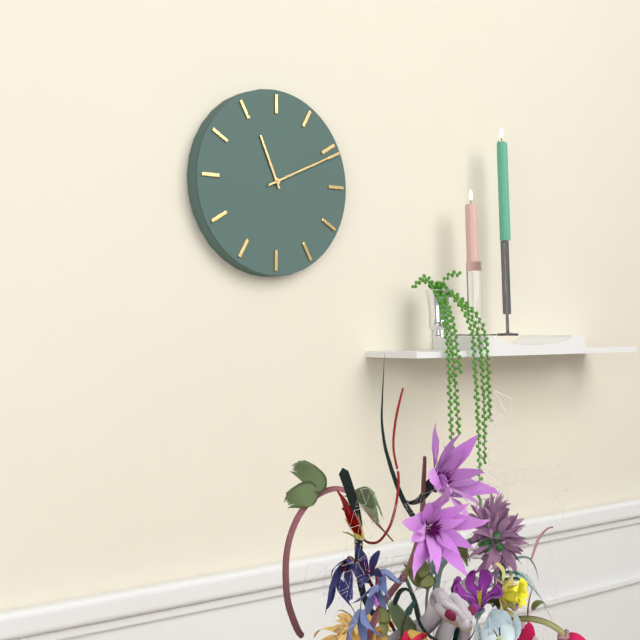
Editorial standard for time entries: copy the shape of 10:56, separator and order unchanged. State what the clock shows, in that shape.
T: 11:11
